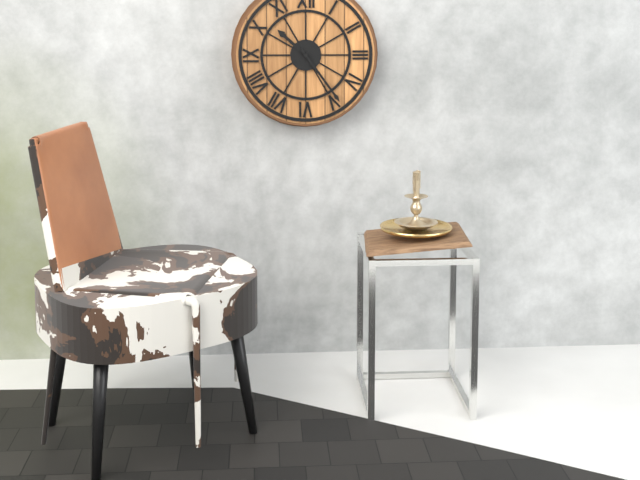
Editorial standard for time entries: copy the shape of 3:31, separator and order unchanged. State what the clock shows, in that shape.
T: 10:24
